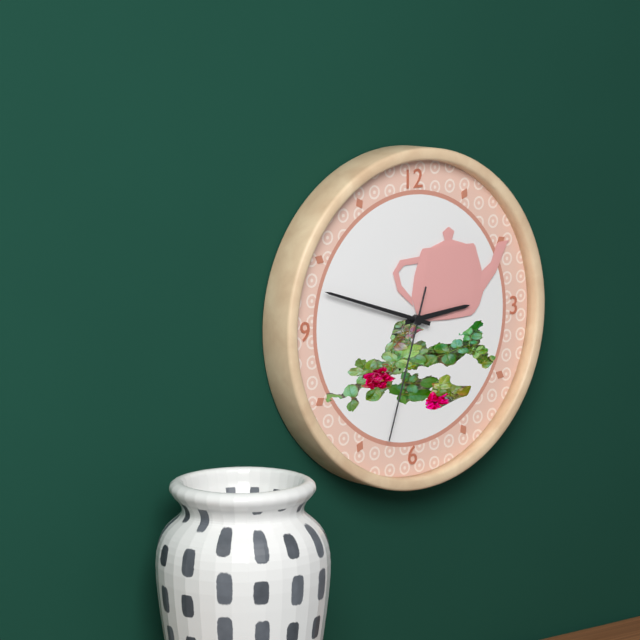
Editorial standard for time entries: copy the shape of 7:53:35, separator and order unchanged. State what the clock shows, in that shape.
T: 2:48:33
